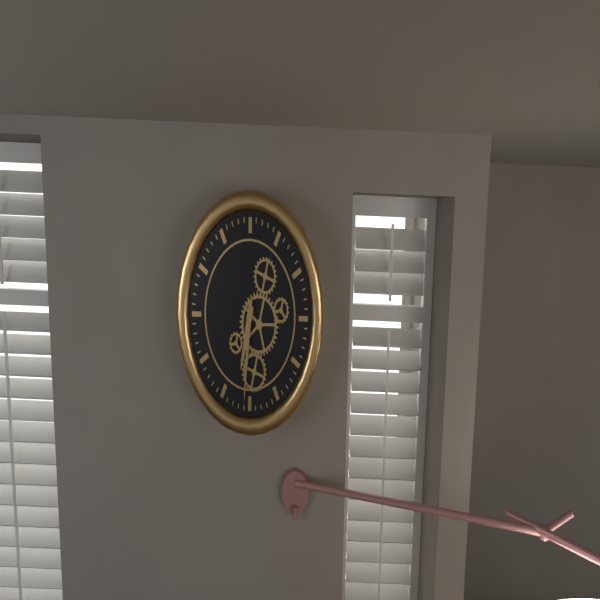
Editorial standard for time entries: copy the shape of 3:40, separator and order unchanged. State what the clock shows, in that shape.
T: 6:31
